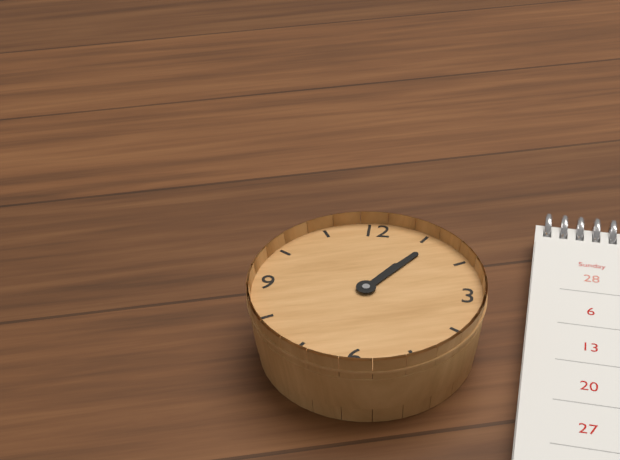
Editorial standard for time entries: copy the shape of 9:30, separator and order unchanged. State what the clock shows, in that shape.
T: 1:06
